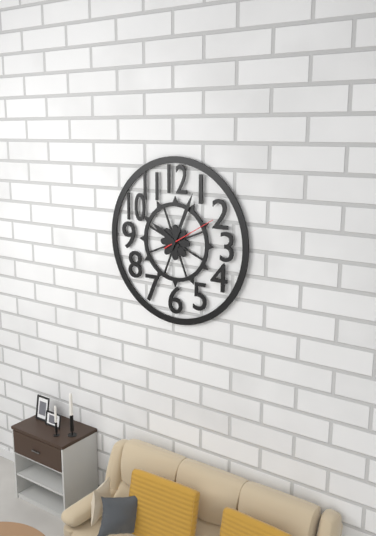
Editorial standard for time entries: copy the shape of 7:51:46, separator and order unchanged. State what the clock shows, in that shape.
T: 10:04:10
